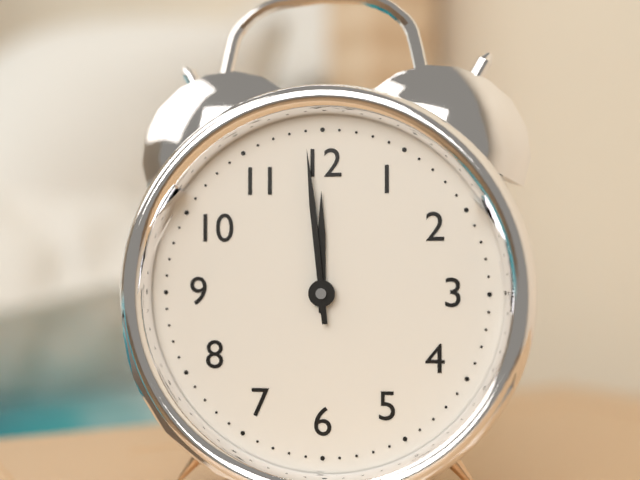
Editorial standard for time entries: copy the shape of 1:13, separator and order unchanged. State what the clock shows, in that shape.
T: 11:59
